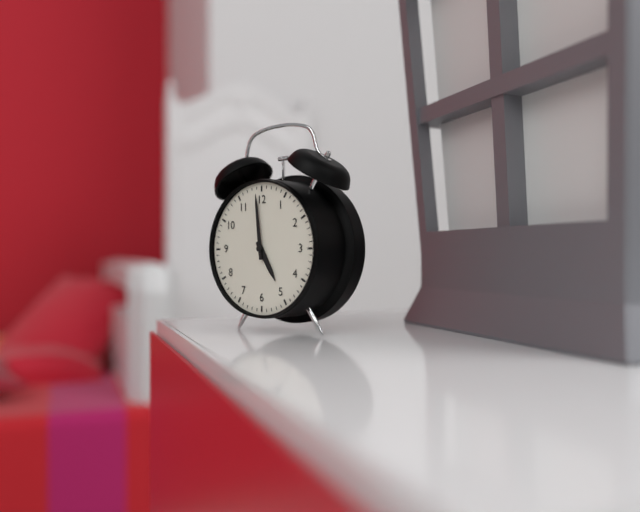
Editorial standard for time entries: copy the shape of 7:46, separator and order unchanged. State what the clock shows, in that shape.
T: 4:59
